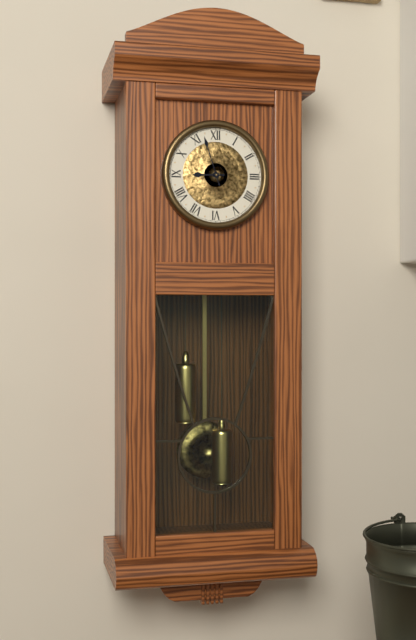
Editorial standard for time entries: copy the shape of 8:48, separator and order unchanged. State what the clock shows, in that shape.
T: 8:57
